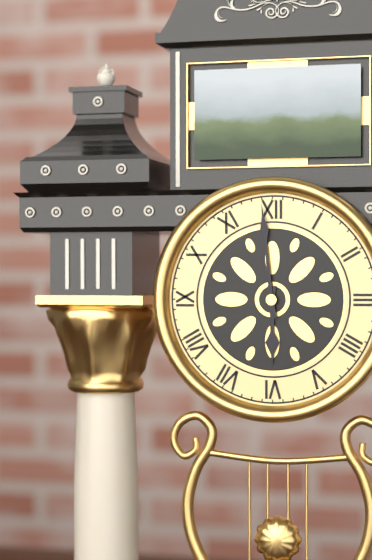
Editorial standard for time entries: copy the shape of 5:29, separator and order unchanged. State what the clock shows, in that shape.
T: 5:59
